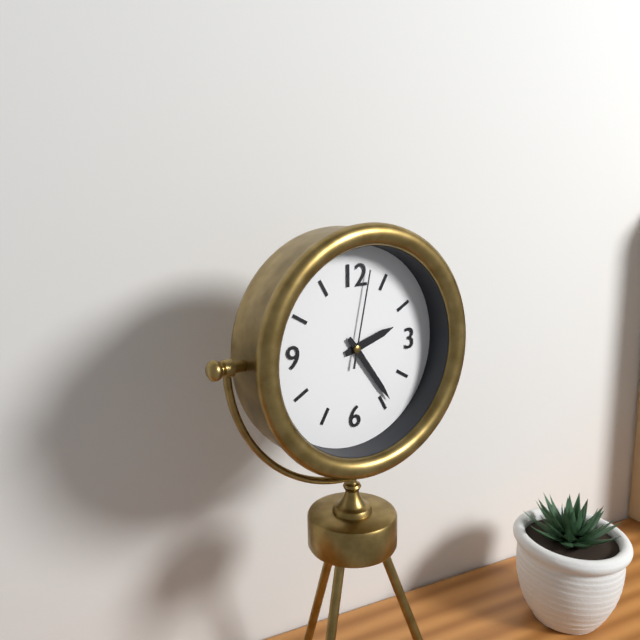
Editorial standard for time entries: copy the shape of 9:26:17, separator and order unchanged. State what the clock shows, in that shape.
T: 2:24:02
